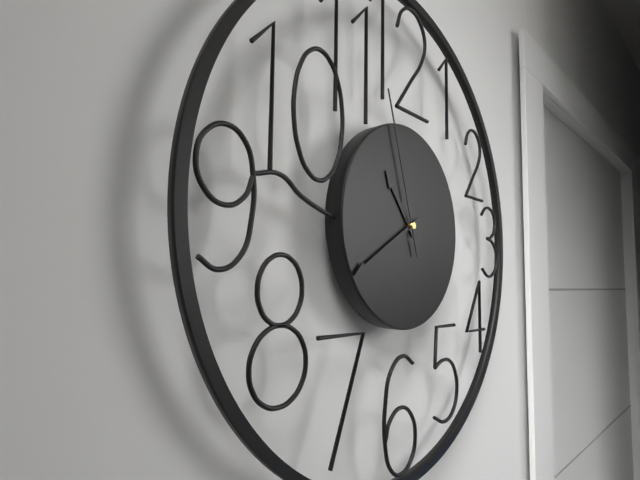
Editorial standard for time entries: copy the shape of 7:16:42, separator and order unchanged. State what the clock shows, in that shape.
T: 10:40:57
